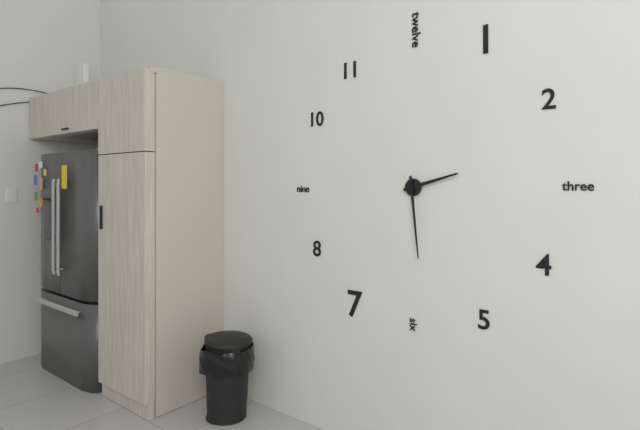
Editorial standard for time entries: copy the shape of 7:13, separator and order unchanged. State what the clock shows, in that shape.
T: 2:29
